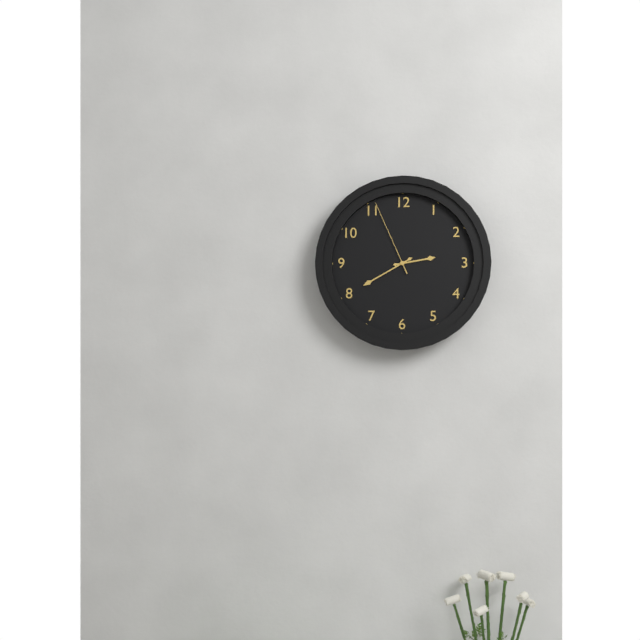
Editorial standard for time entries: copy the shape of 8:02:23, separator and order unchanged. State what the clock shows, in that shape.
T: 2:40:56
